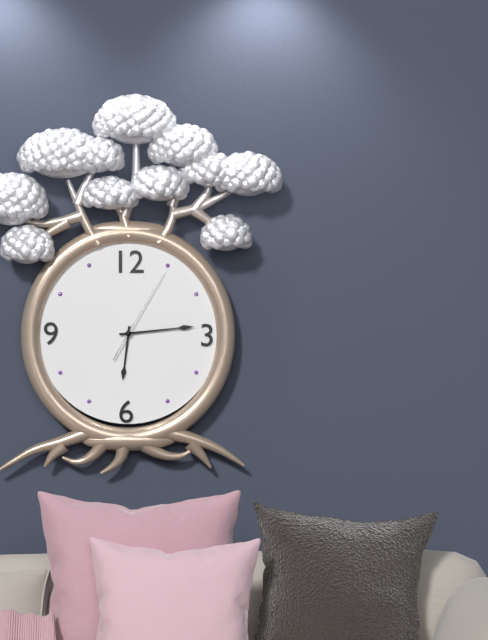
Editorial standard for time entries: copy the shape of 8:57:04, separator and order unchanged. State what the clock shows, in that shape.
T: 6:14:05
